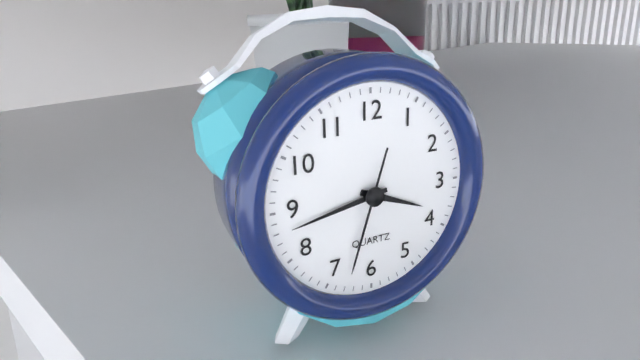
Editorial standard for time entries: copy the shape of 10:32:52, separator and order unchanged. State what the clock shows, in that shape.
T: 3:43:33
